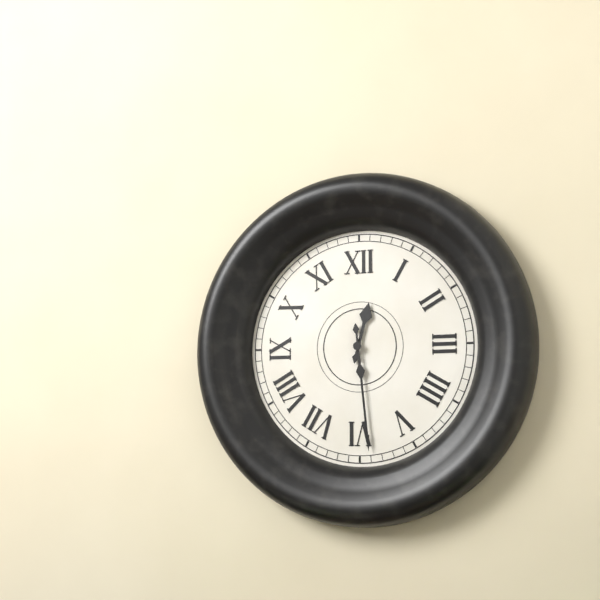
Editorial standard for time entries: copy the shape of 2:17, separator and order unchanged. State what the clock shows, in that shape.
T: 12:29
